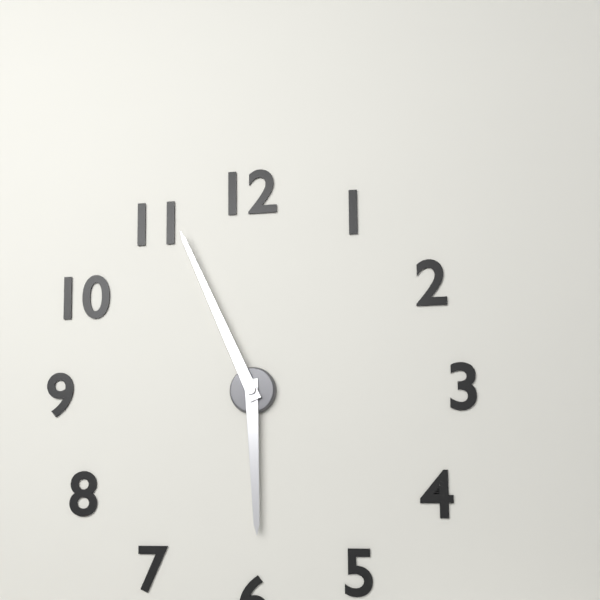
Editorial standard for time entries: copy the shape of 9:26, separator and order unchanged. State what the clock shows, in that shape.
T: 5:56
